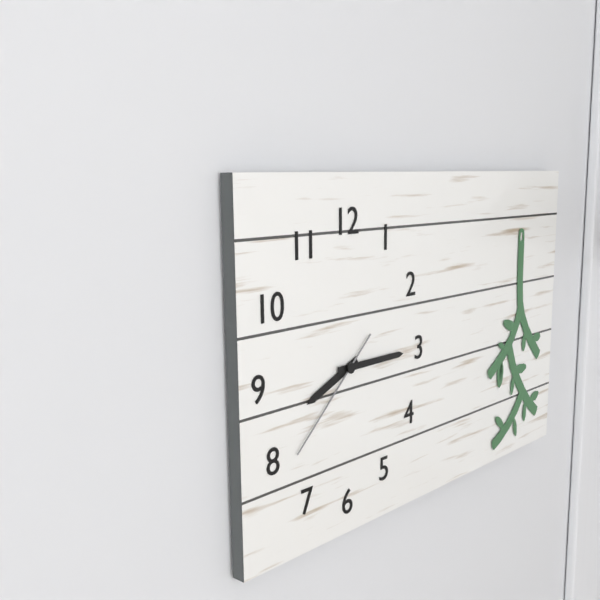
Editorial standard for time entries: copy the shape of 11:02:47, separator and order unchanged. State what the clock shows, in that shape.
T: 8:15:38
